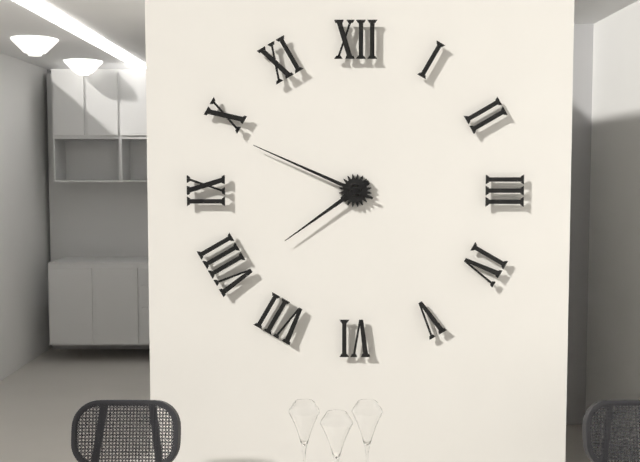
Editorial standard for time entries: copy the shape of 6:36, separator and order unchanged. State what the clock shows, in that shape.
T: 7:49
